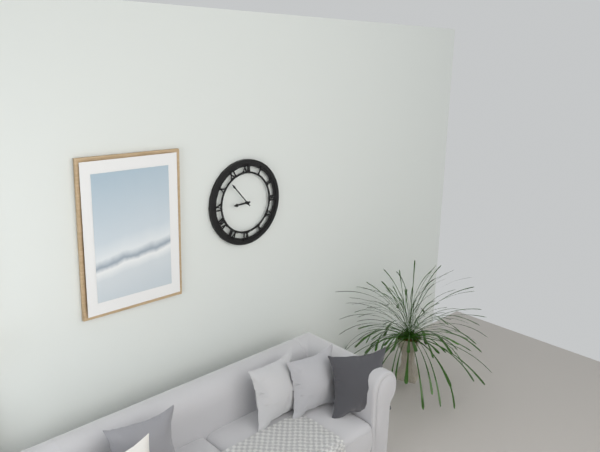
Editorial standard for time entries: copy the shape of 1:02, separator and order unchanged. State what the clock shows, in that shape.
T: 8:53
